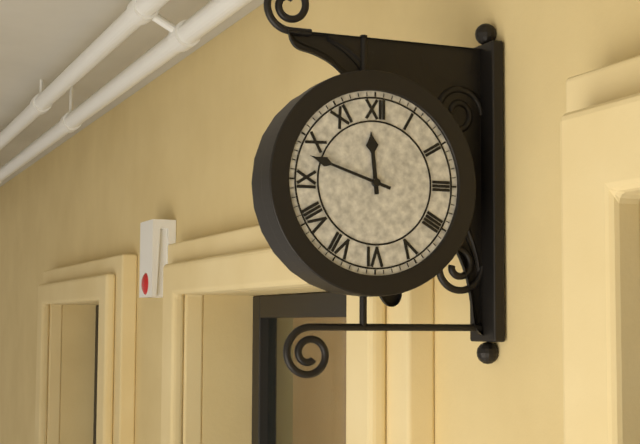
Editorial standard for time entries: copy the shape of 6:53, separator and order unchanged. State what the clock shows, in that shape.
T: 11:48
